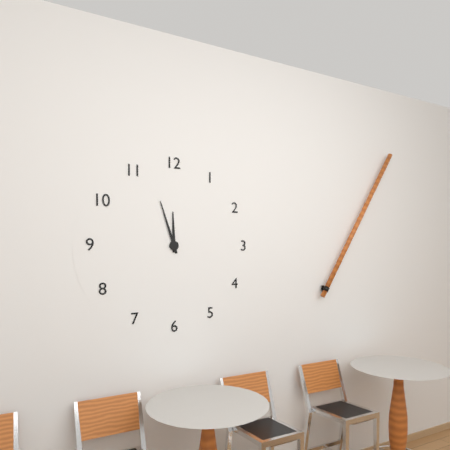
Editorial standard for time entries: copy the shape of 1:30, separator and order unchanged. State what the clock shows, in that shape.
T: 11:57
